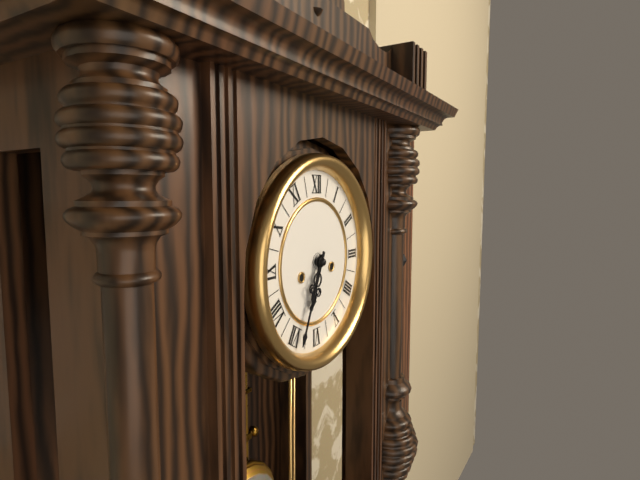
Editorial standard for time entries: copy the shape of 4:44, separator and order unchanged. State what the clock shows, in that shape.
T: 6:34
